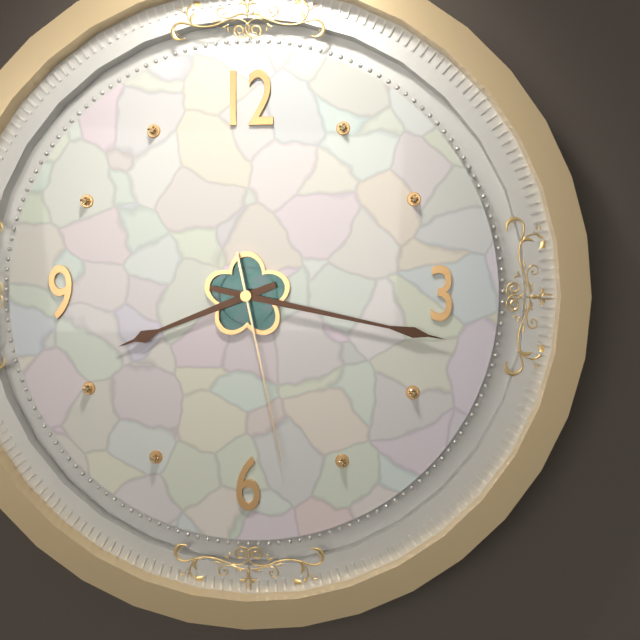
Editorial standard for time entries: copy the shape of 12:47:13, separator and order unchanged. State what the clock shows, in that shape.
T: 8:17:28
